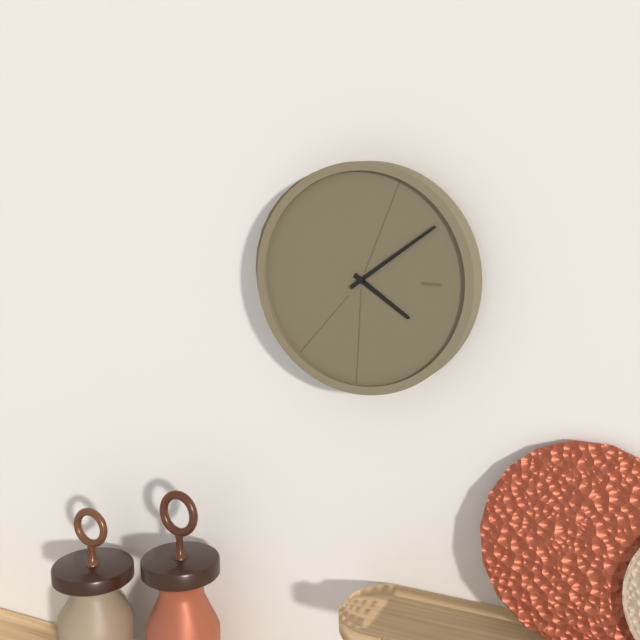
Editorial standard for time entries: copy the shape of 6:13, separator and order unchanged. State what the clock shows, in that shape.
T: 4:09
